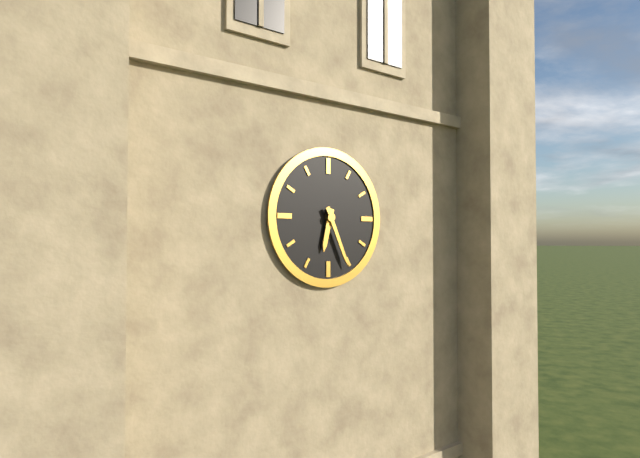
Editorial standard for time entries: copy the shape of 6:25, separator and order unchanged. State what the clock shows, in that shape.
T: 6:26
